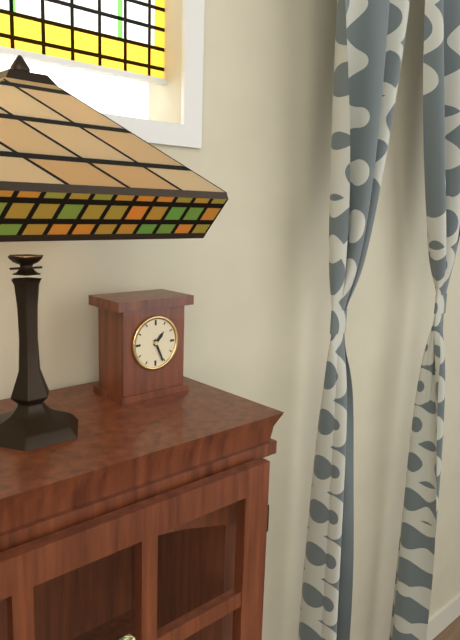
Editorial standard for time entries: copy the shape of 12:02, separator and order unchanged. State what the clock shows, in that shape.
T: 1:26
